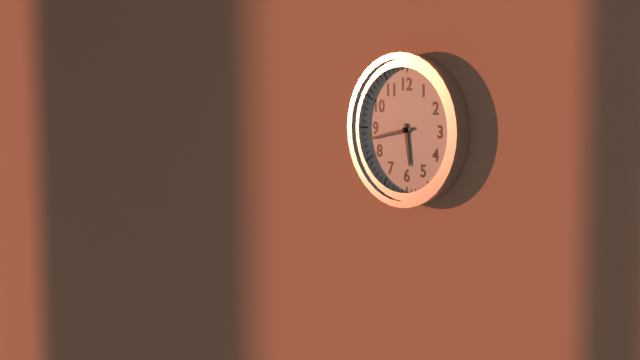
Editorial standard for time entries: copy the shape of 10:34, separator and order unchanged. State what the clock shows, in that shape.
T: 5:43
